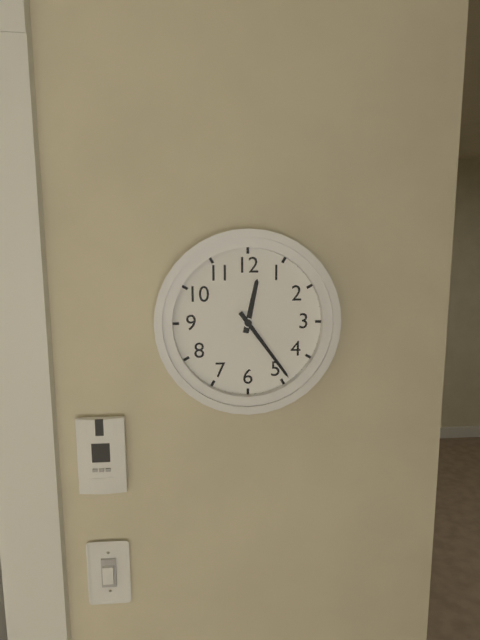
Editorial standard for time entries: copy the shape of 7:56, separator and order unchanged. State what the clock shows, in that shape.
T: 12:24
